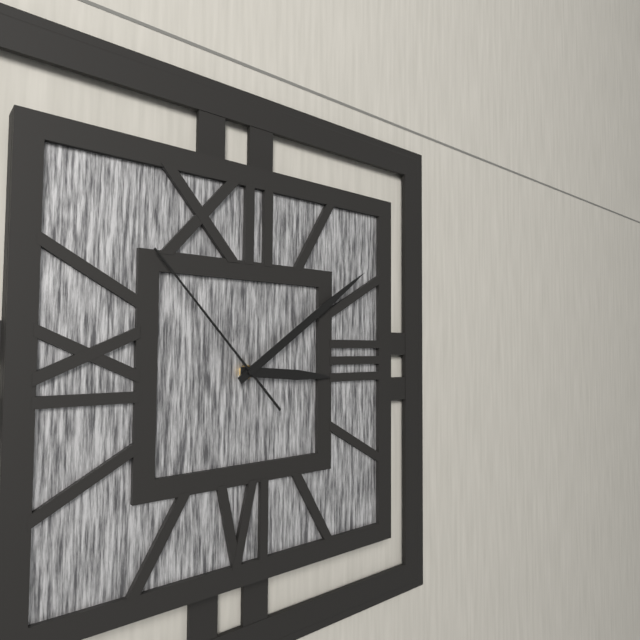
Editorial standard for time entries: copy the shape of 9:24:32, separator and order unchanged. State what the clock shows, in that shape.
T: 3:09:53
